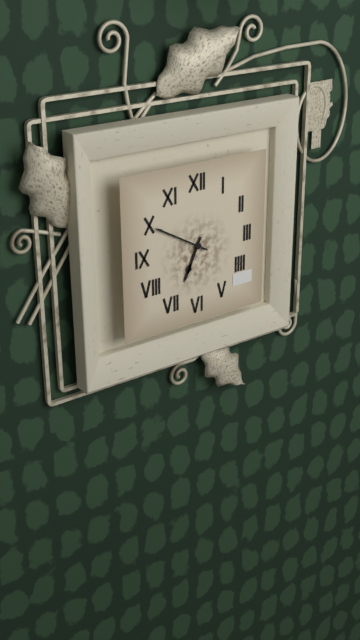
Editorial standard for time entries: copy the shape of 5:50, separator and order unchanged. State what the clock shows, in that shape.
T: 6:50
